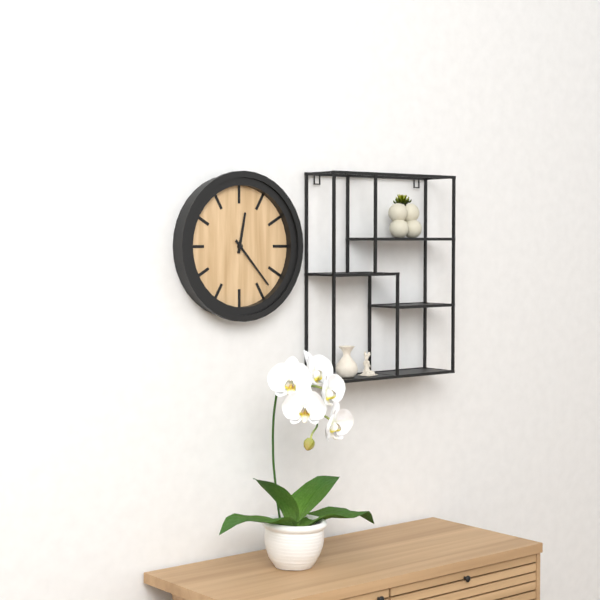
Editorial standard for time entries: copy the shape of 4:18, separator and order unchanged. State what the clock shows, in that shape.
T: 12:23
